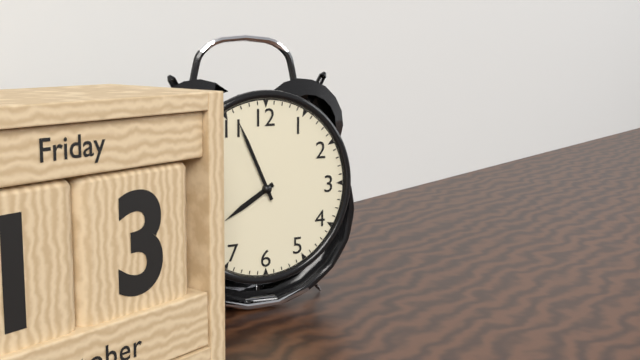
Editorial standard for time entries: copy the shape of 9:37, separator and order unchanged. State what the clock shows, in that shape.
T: 7:56
